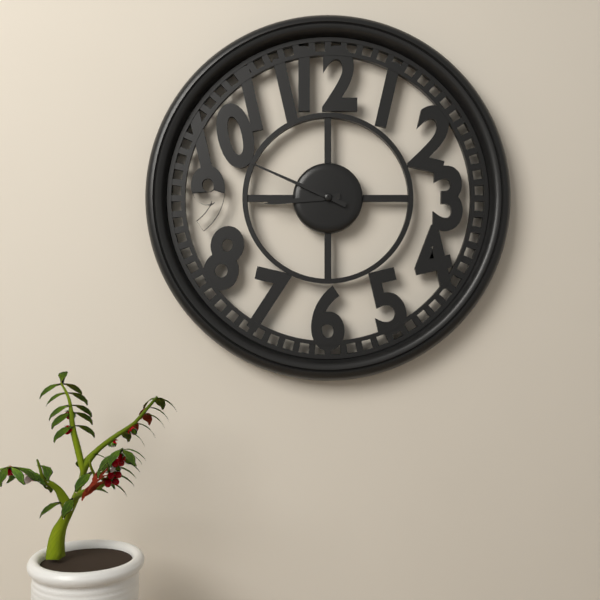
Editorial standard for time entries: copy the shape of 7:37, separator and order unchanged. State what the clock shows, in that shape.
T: 8:49
